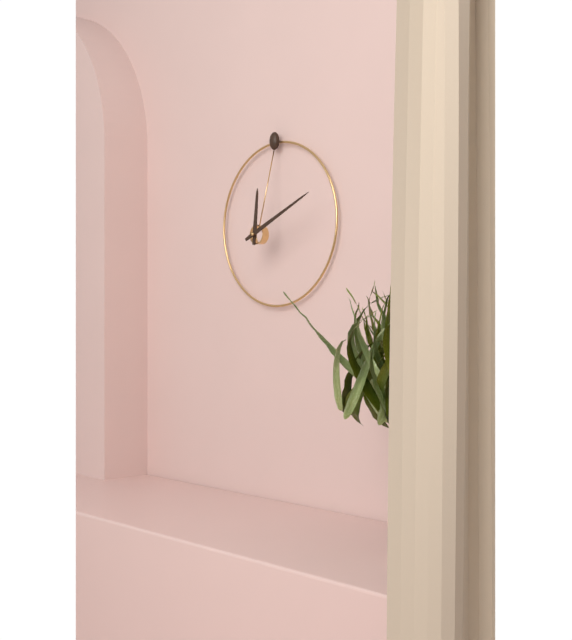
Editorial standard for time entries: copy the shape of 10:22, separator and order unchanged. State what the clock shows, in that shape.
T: 12:11
